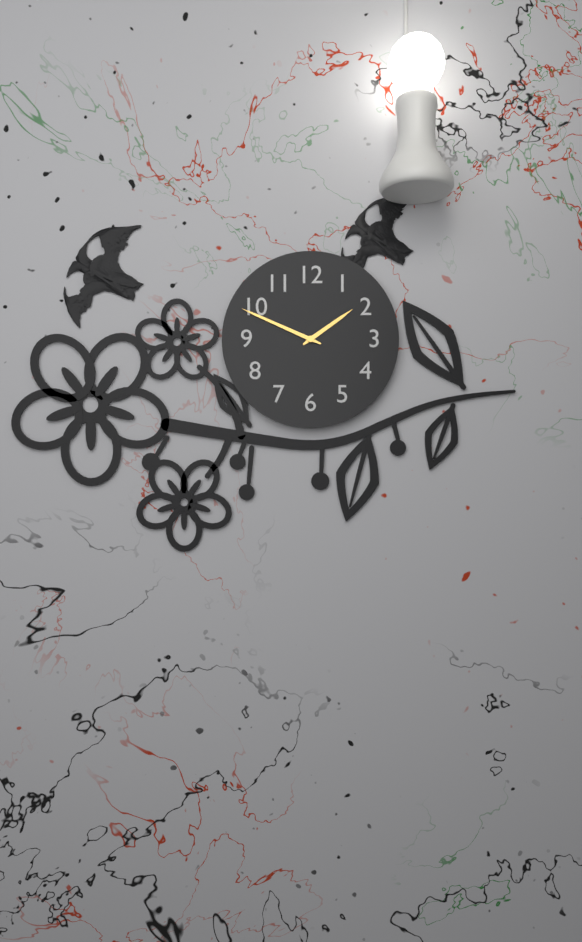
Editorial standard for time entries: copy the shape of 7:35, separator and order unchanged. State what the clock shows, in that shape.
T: 1:49
